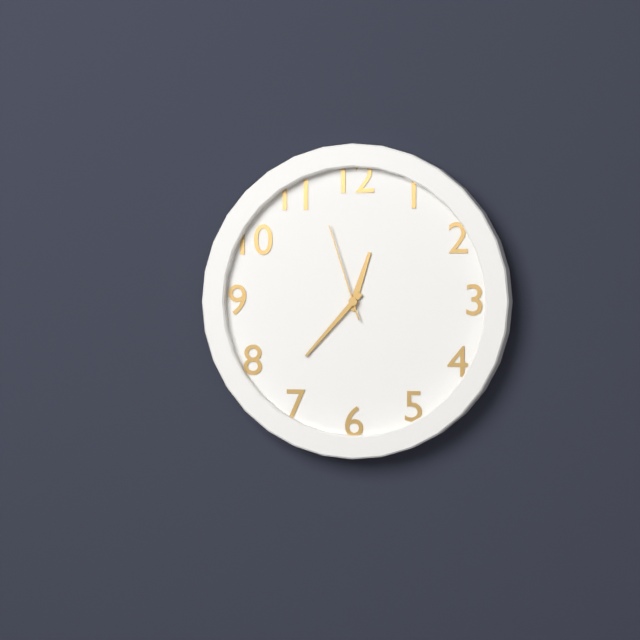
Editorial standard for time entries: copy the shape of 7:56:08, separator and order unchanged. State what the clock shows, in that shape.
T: 12:37:57
